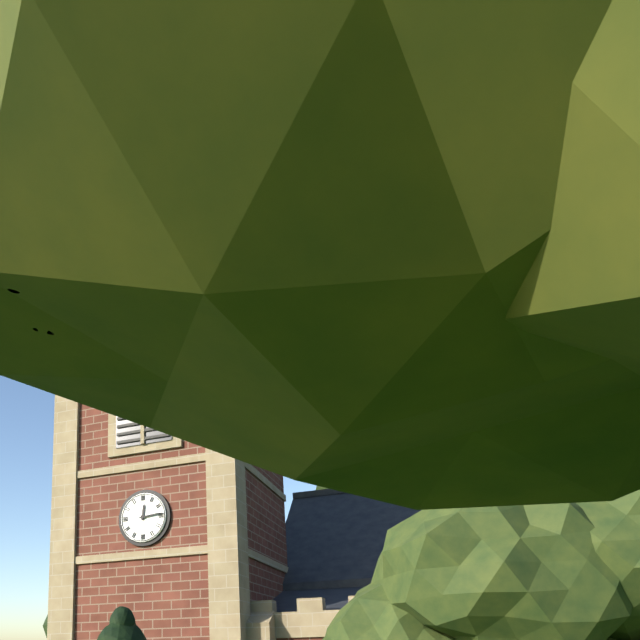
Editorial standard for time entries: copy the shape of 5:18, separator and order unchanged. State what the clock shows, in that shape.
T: 12:14
